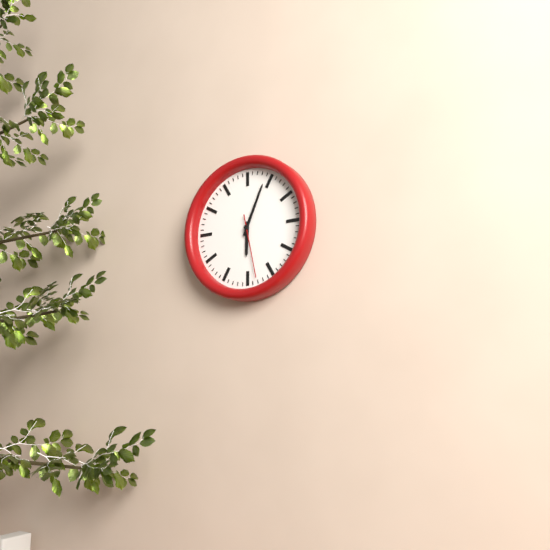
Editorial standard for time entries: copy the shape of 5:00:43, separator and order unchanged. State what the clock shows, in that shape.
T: 6:04:28
